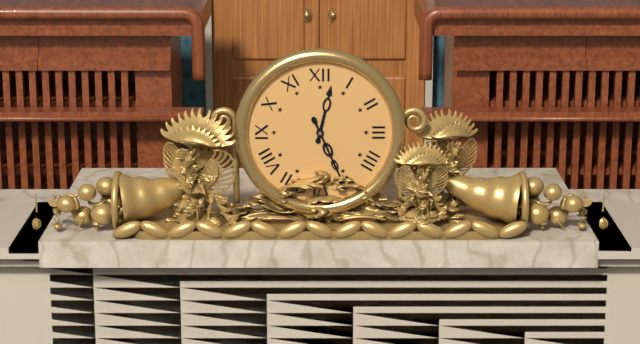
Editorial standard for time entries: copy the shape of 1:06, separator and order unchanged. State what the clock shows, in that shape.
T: 12:26
